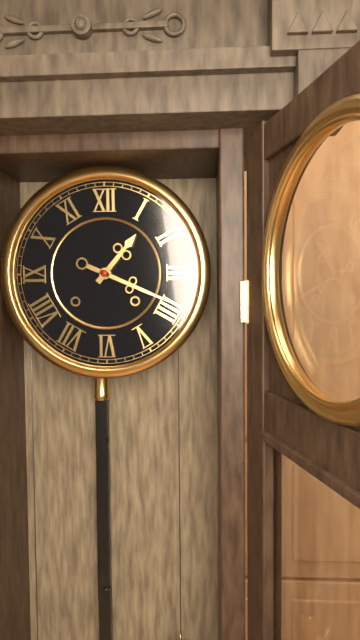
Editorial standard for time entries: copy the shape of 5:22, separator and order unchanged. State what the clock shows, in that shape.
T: 1:19
